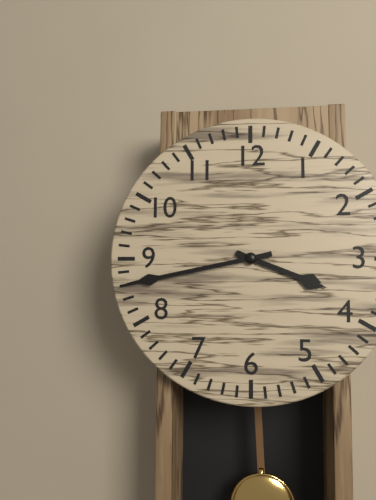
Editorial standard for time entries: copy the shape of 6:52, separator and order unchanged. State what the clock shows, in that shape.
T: 3:43
